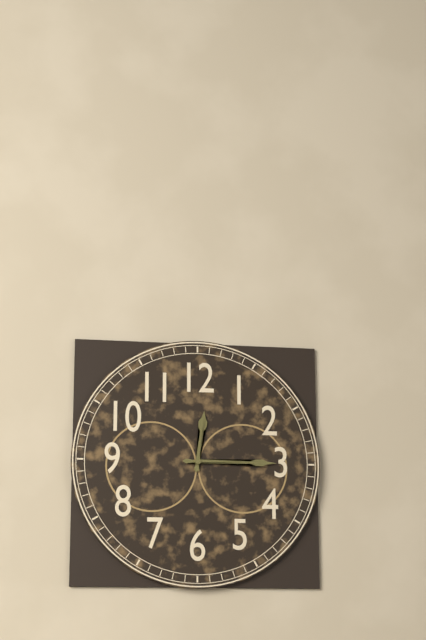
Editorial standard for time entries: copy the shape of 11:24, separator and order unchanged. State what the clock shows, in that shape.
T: 12:15
